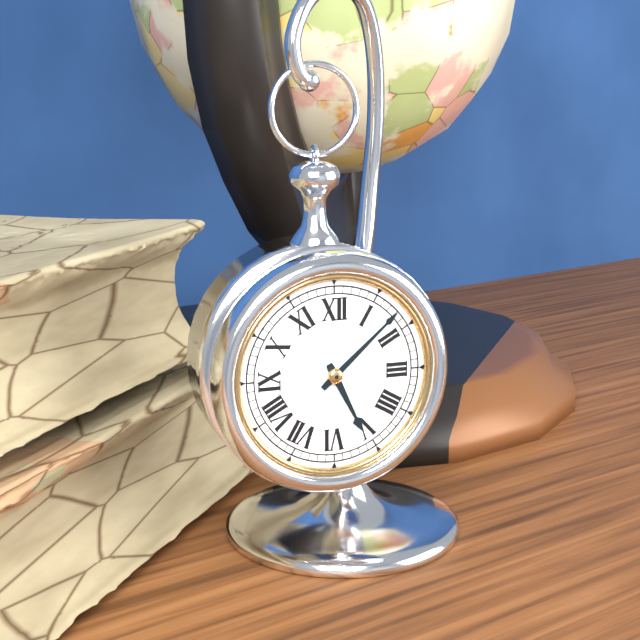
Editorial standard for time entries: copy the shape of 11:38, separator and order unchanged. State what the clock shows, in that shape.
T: 5:08
